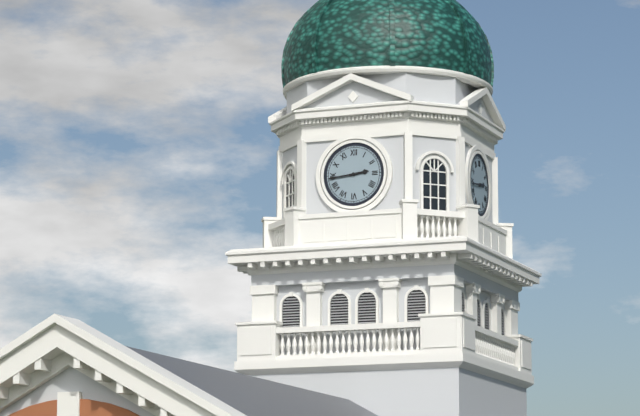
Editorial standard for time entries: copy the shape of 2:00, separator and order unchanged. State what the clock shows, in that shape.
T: 2:44
